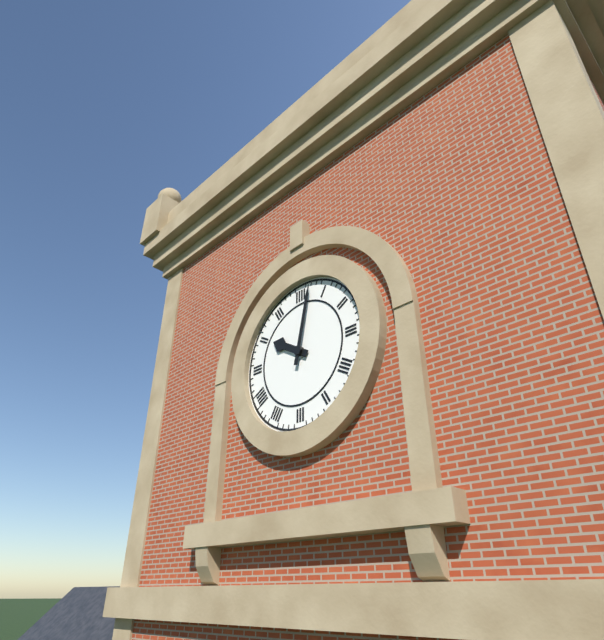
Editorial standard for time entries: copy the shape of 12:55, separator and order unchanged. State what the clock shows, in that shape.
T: 10:02
